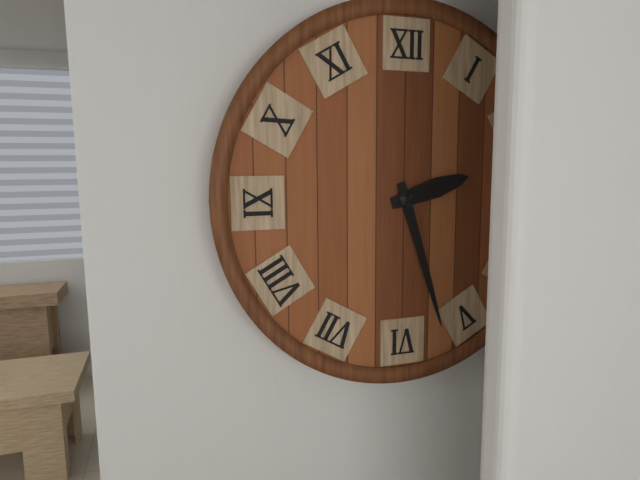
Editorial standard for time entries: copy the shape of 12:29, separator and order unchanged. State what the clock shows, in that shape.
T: 2:27
